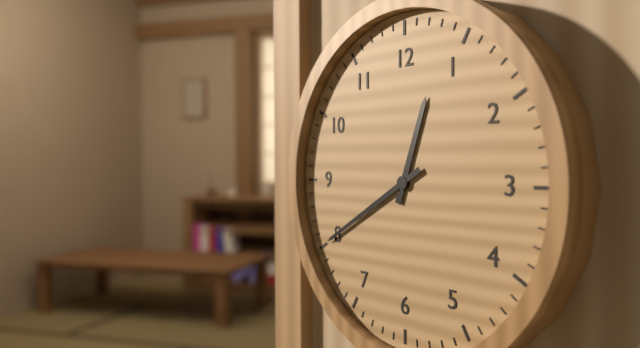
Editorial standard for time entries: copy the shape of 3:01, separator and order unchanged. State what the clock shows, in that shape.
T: 12:40
